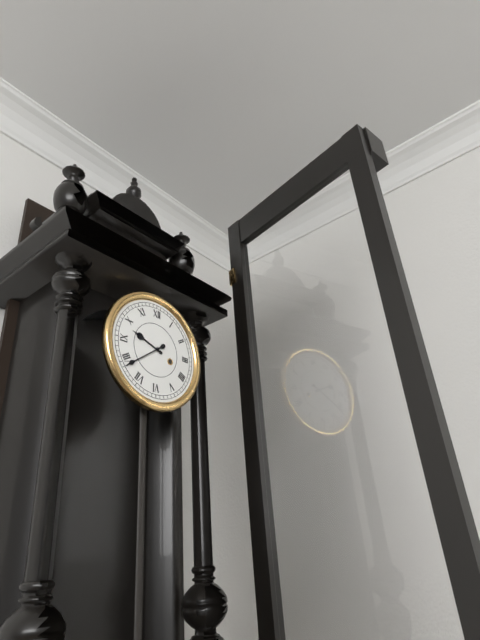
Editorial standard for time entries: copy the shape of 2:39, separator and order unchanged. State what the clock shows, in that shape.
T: 9:39
